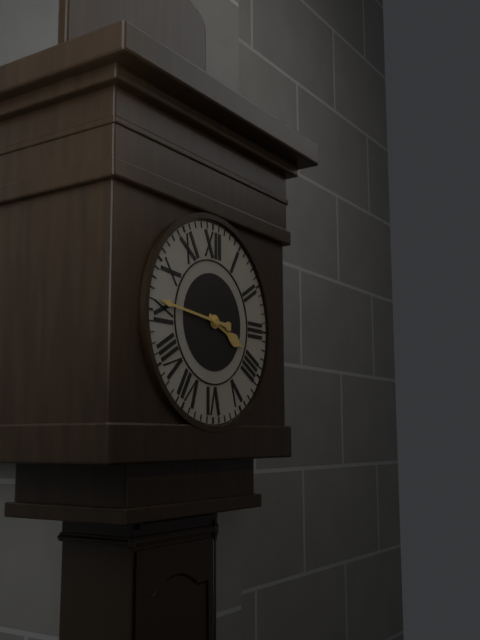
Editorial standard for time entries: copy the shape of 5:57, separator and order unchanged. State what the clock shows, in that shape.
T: 3:46
